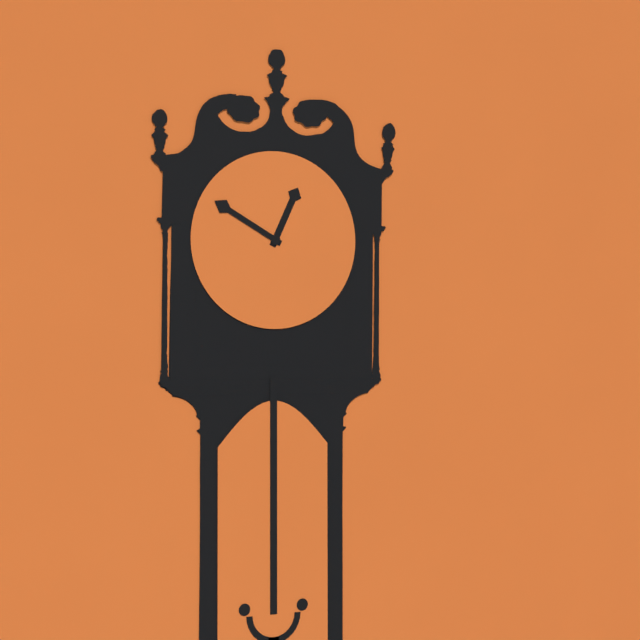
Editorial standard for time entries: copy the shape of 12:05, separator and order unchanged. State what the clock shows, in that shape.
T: 12:50
